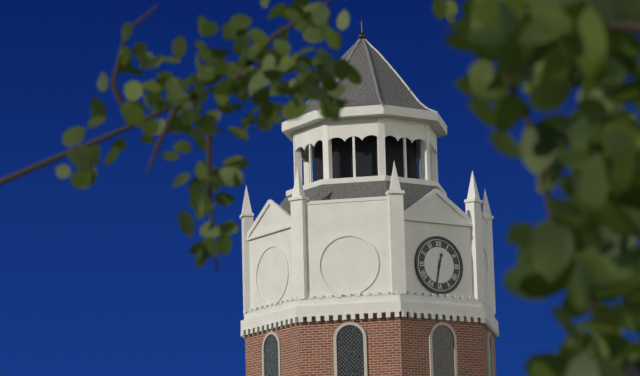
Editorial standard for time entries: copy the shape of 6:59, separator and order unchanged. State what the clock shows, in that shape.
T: 12:32
